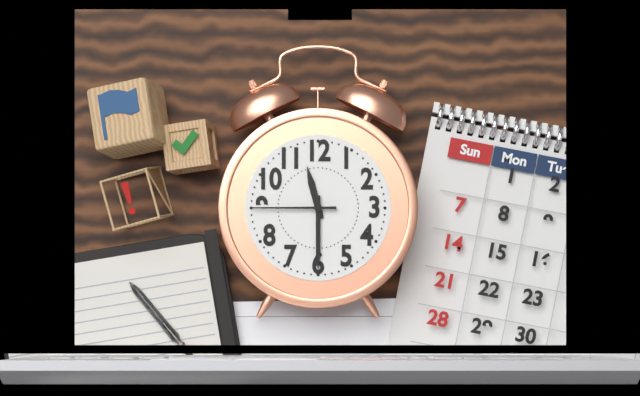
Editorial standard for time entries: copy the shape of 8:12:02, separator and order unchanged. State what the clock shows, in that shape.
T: 11:30:45
